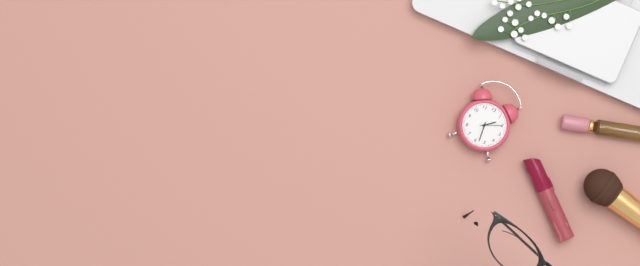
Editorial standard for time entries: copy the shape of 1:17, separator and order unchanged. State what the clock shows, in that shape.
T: 1:28
